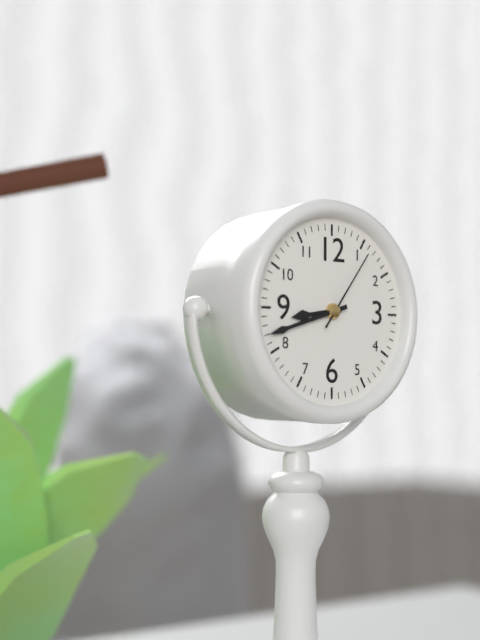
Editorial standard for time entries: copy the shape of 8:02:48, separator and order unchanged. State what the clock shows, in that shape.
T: 8:42:06
